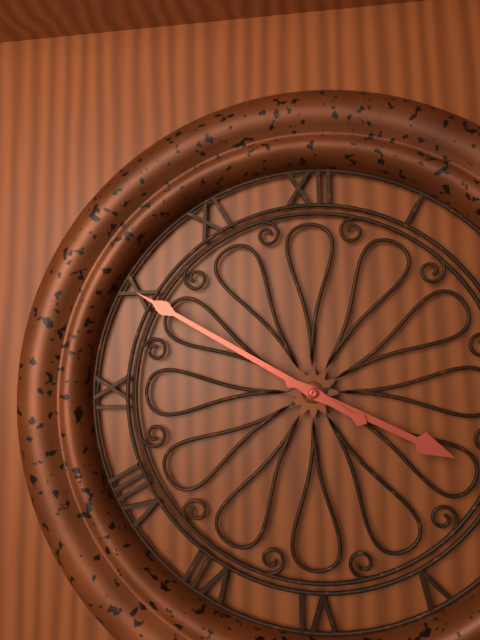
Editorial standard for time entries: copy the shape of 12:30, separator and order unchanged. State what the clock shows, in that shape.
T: 3:50
